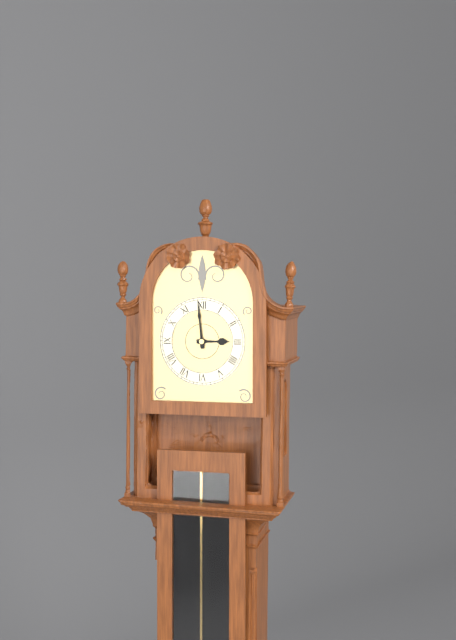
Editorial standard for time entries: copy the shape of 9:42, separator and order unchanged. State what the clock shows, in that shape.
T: 2:59
